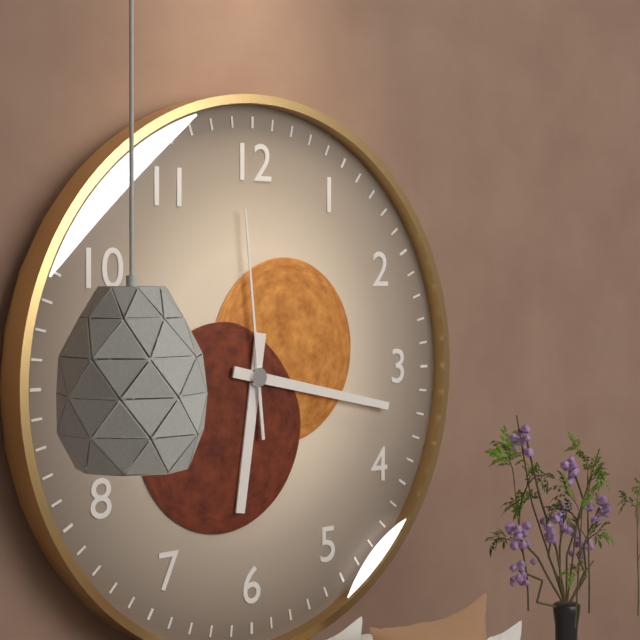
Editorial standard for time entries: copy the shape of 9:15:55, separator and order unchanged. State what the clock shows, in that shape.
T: 6:17:59
